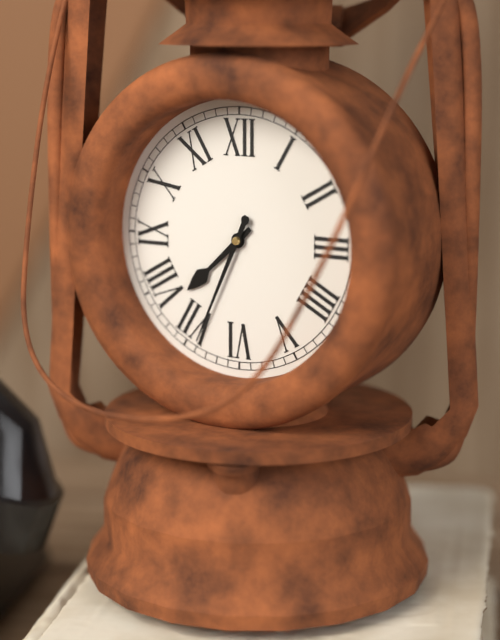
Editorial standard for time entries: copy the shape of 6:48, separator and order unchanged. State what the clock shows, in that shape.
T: 7:34
